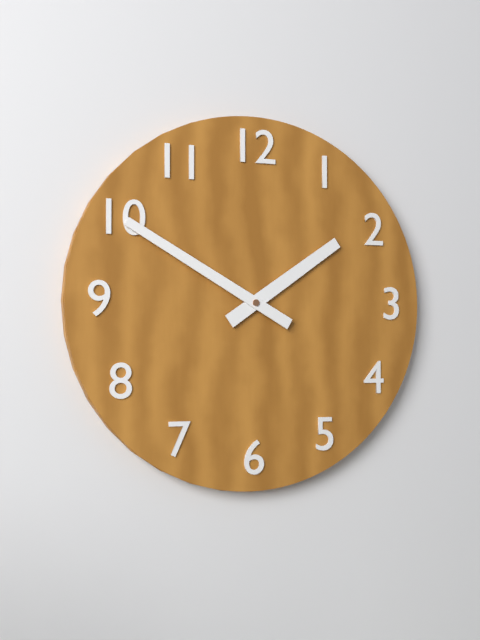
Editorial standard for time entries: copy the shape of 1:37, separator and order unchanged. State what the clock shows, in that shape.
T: 1:50
